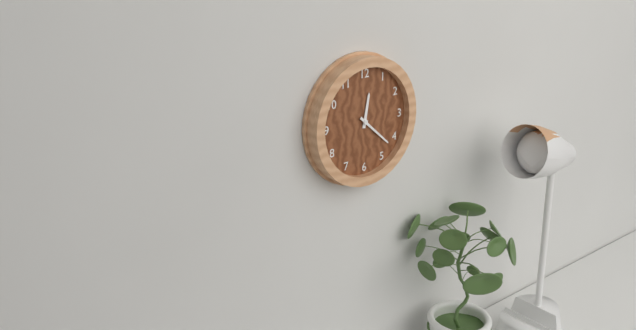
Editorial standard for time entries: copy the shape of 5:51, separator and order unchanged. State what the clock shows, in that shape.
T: 12:22
